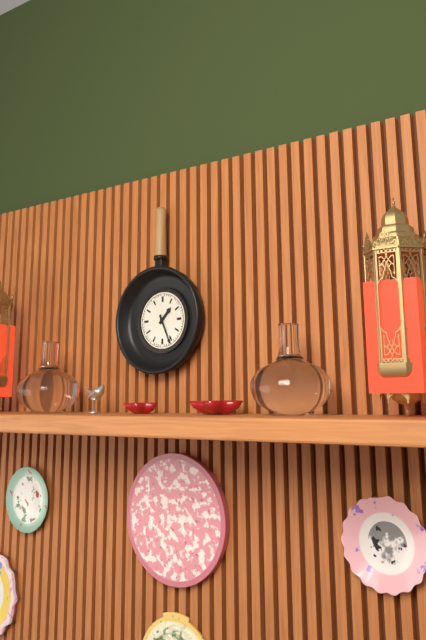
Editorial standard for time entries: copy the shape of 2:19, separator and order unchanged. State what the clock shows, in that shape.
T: 1:26
